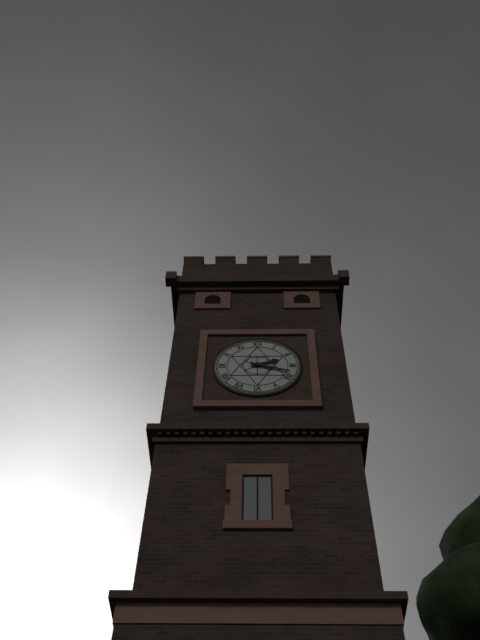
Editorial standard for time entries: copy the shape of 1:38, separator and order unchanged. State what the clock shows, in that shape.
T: 2:18
